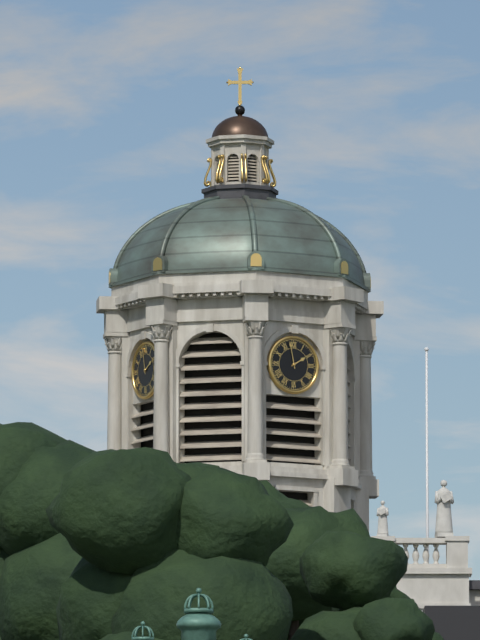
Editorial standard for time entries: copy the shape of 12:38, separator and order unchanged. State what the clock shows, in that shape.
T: 1:58
